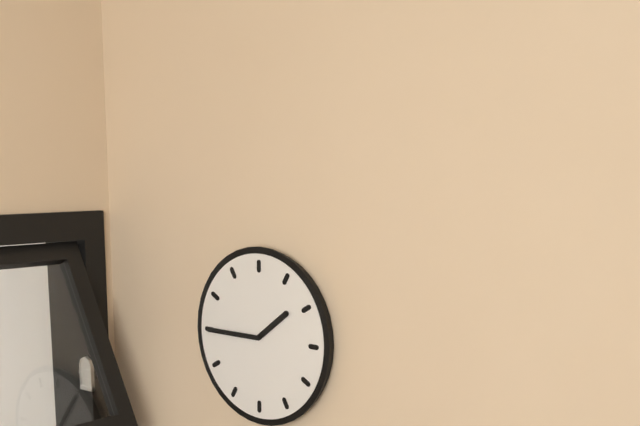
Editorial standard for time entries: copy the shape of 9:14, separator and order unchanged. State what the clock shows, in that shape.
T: 1:45
